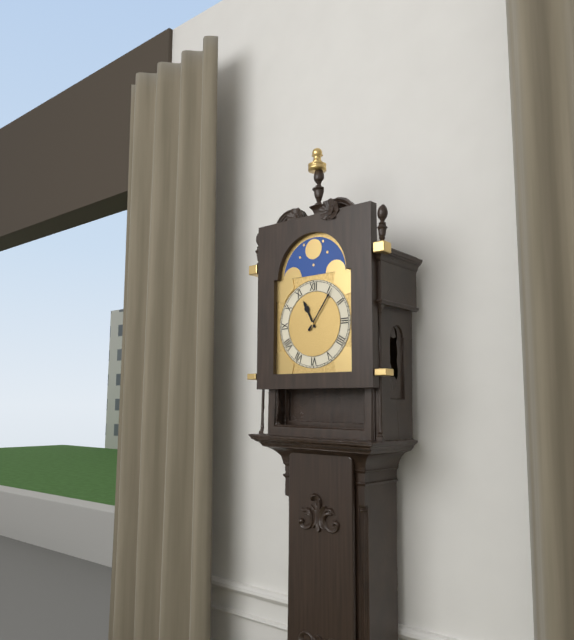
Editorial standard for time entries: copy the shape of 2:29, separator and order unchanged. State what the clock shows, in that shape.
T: 11:06
